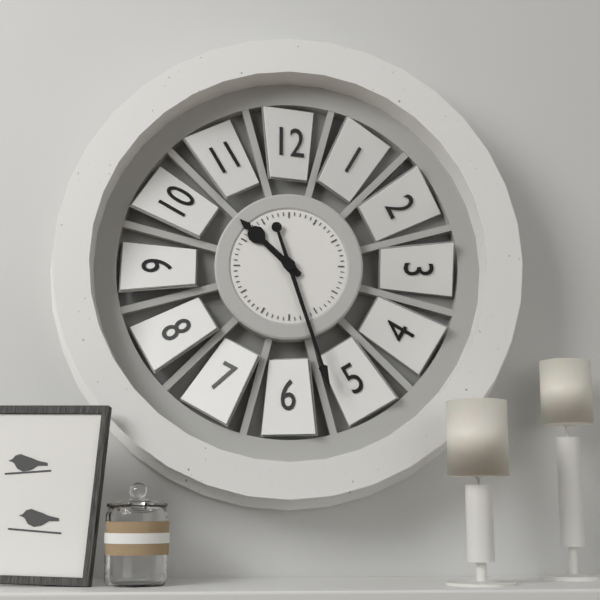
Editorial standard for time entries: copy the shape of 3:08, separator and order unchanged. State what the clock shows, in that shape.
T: 10:27
